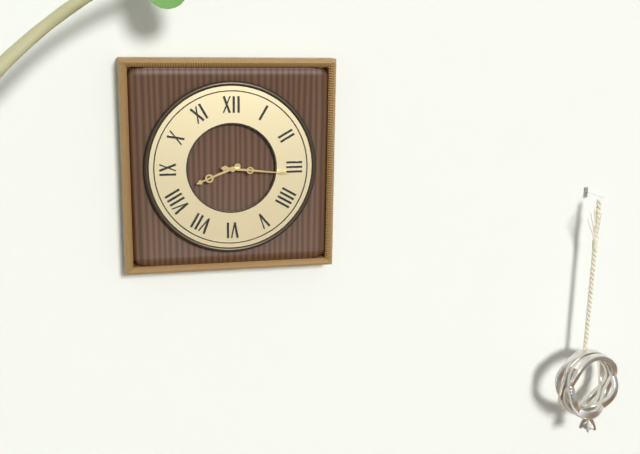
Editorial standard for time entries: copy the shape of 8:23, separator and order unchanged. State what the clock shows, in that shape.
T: 8:16
